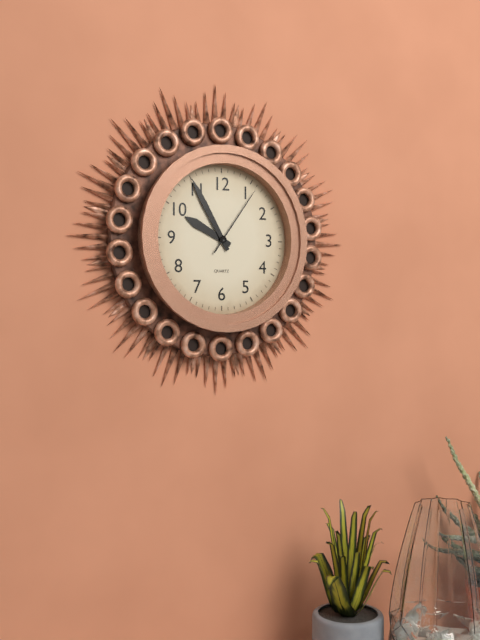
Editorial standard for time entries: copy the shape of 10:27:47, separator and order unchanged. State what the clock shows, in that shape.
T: 9:55:06
